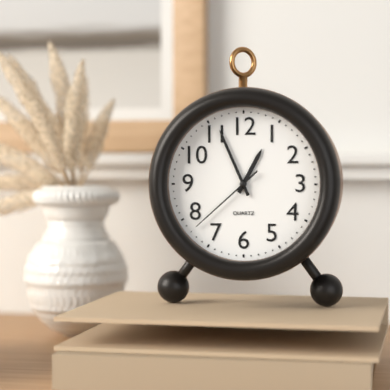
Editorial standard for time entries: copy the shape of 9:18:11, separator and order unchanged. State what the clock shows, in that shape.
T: 12:56:38
